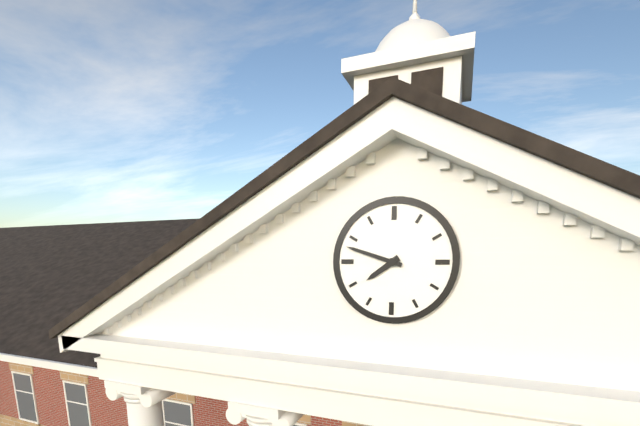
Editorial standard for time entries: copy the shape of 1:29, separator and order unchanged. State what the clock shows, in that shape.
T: 7:48
